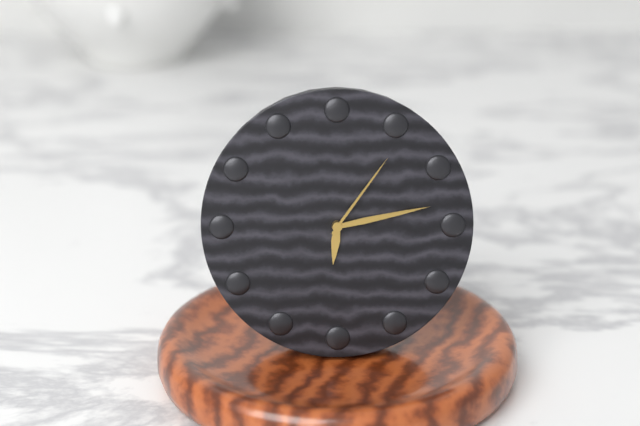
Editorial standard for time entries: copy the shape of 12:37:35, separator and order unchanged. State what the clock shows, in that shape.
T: 6:13:06
